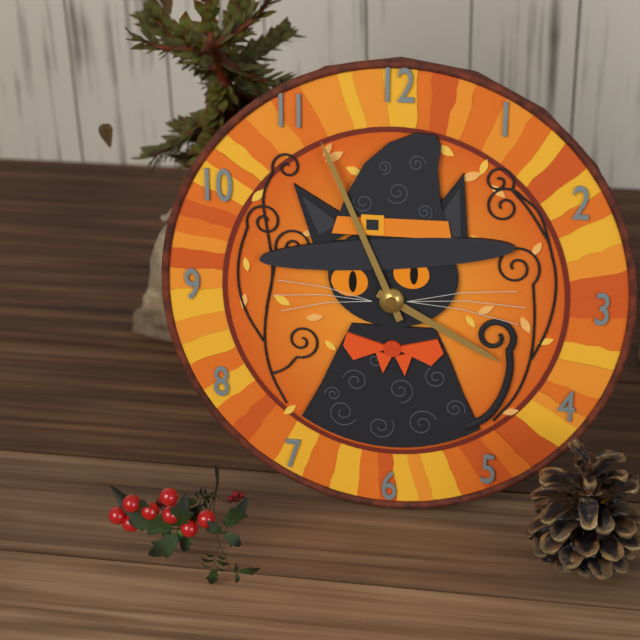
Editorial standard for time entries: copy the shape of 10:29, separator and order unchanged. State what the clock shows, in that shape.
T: 3:56
